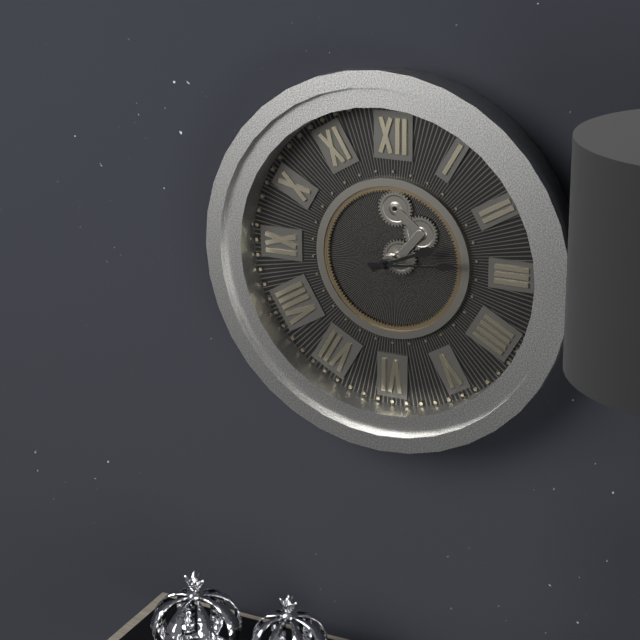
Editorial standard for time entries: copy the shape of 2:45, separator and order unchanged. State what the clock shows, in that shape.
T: 2:14
